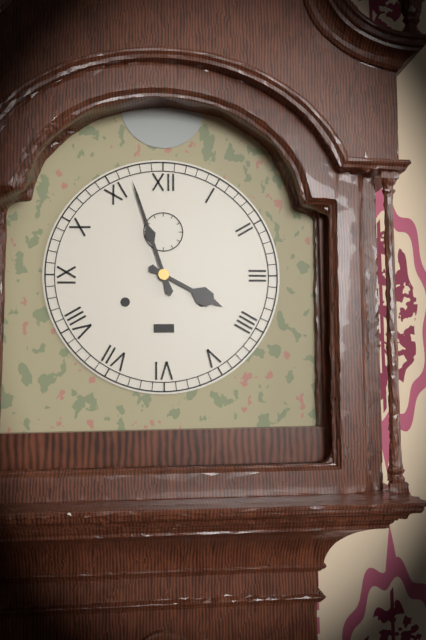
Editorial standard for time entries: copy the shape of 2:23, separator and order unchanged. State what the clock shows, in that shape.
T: 3:57
